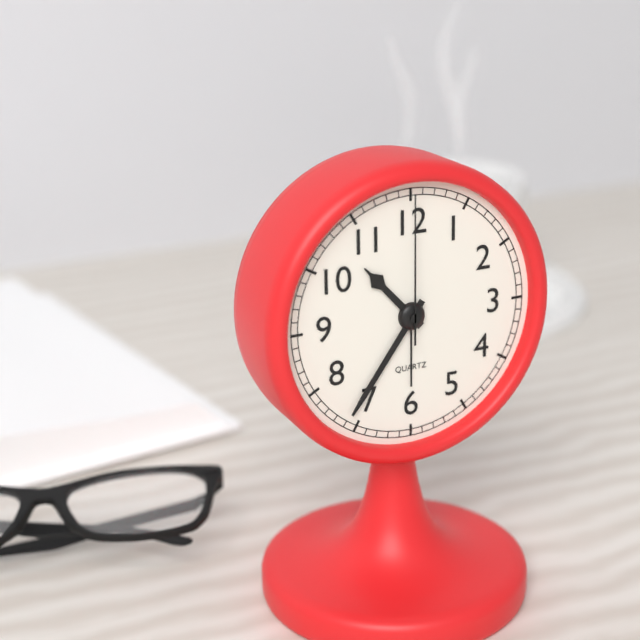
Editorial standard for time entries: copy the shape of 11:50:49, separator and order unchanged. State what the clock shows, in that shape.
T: 10:36:00
